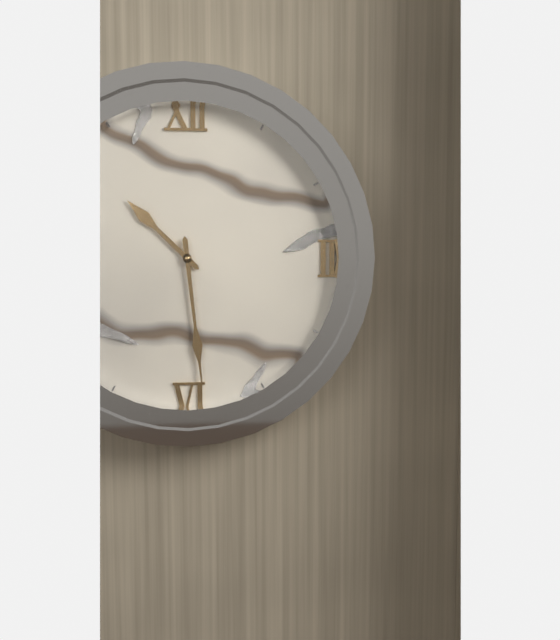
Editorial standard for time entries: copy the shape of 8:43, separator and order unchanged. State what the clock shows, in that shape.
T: 10:29
